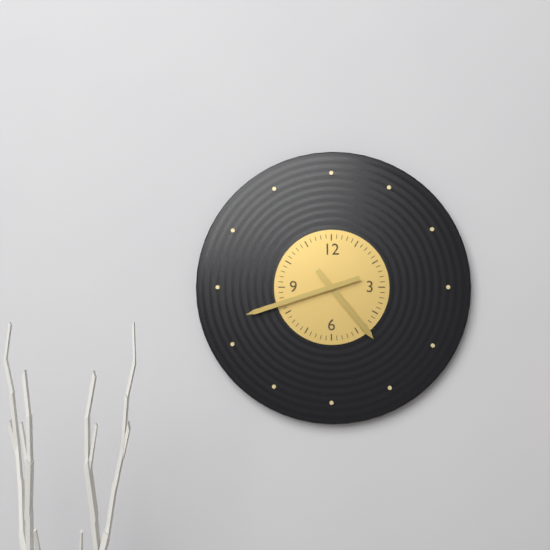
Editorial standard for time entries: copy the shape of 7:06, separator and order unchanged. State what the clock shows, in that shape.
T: 4:42
